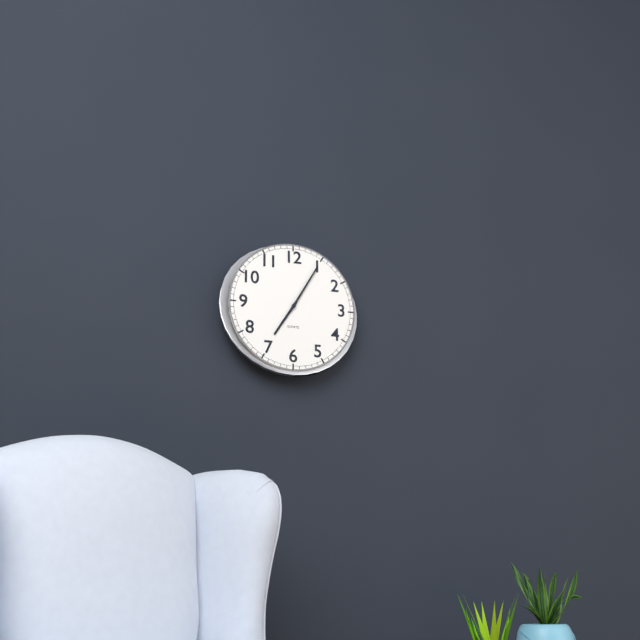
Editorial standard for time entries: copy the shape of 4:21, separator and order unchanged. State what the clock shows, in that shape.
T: 7:05
